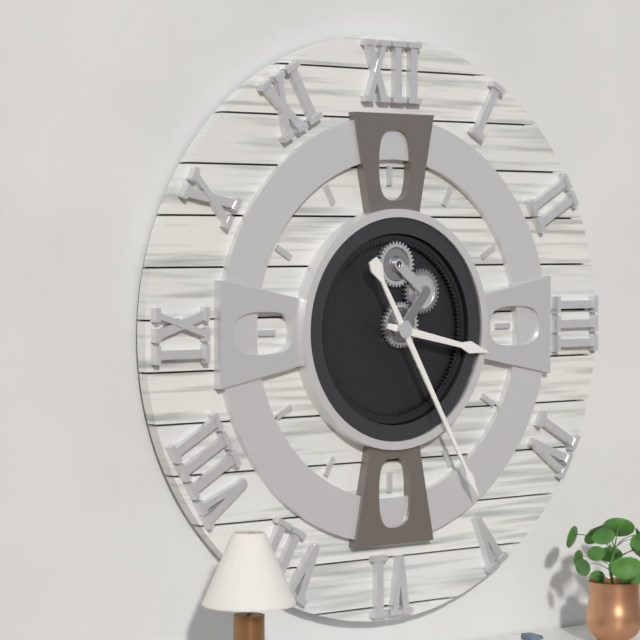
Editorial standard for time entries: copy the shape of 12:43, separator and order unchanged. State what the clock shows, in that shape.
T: 3:25
